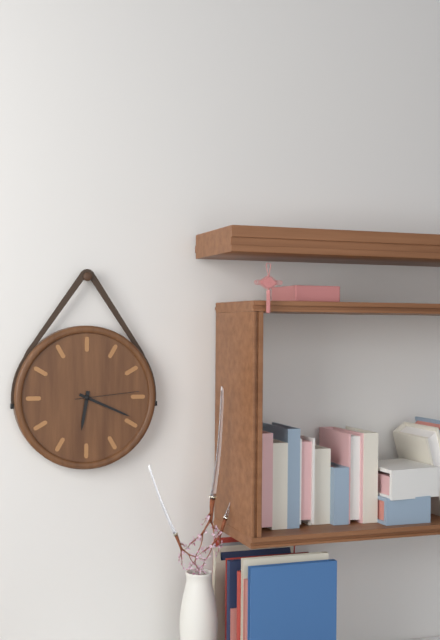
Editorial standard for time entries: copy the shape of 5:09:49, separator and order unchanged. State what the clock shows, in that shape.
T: 6:19:14
